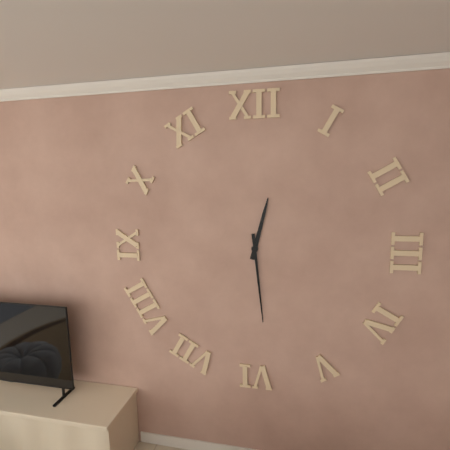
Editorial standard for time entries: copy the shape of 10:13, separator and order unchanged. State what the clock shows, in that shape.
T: 12:29
